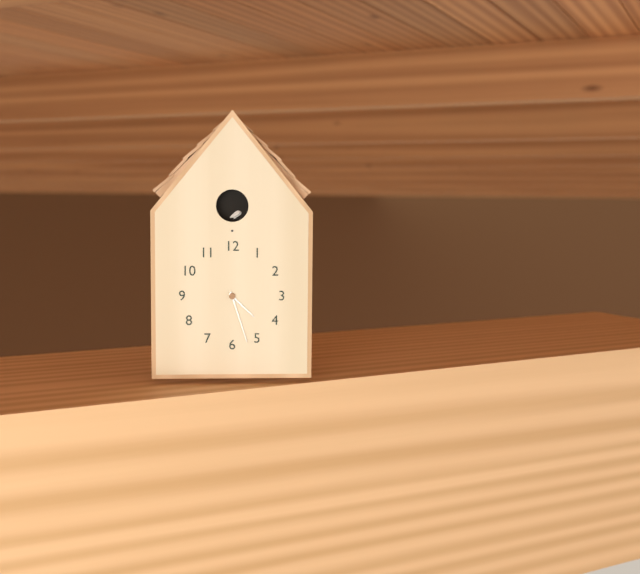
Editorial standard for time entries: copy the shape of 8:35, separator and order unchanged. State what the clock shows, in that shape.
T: 4:27
